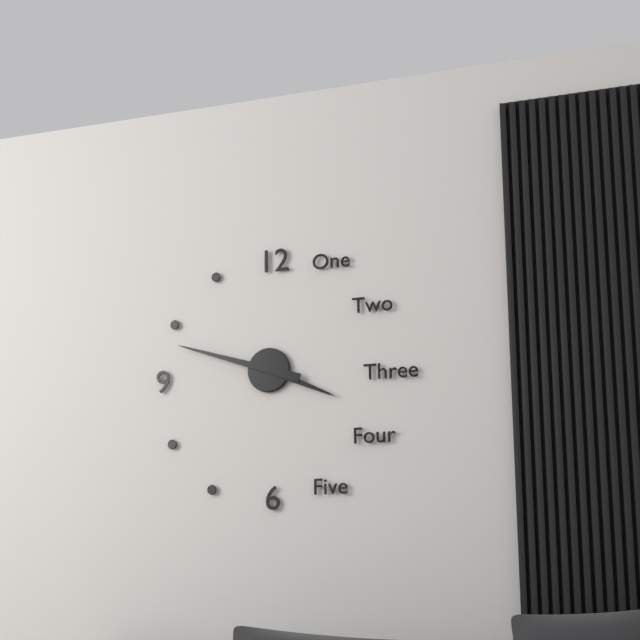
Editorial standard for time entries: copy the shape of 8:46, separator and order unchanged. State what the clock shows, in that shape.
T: 3:48
